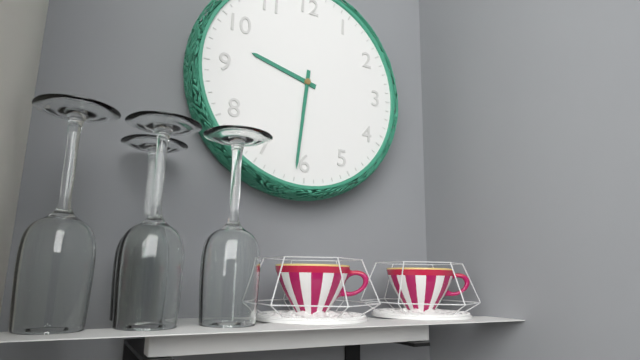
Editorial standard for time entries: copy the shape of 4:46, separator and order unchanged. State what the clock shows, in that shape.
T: 9:31
